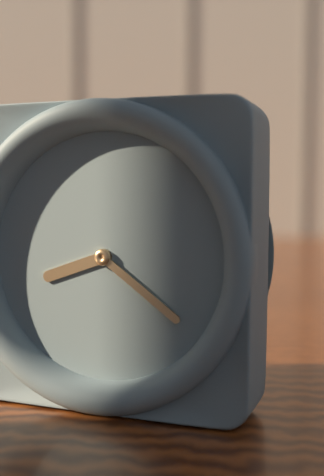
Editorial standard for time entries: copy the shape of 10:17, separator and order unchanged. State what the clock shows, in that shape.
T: 8:21
